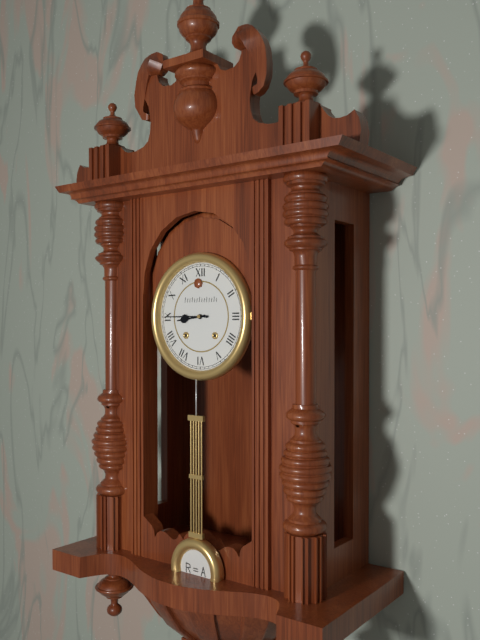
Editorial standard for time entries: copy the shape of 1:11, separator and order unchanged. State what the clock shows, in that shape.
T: 8:45
